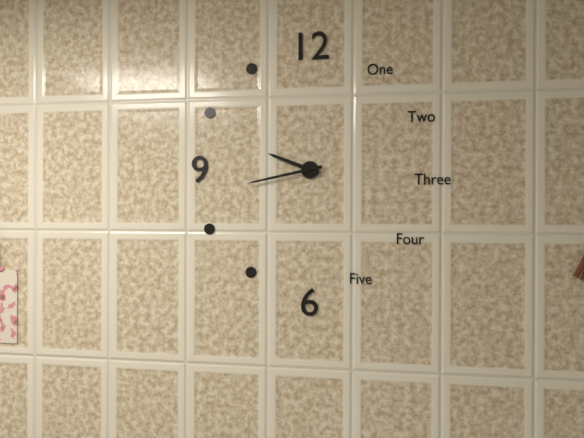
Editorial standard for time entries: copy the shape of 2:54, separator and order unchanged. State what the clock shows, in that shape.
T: 9:43
